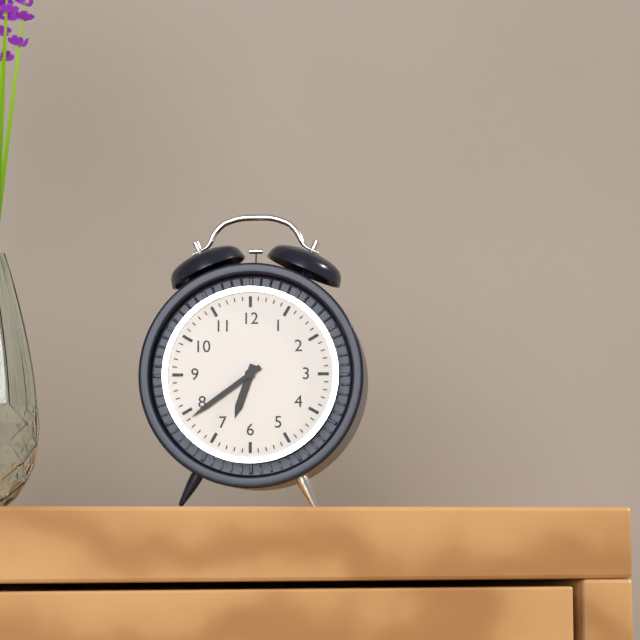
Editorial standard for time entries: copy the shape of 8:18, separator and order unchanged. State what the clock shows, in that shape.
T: 6:39
